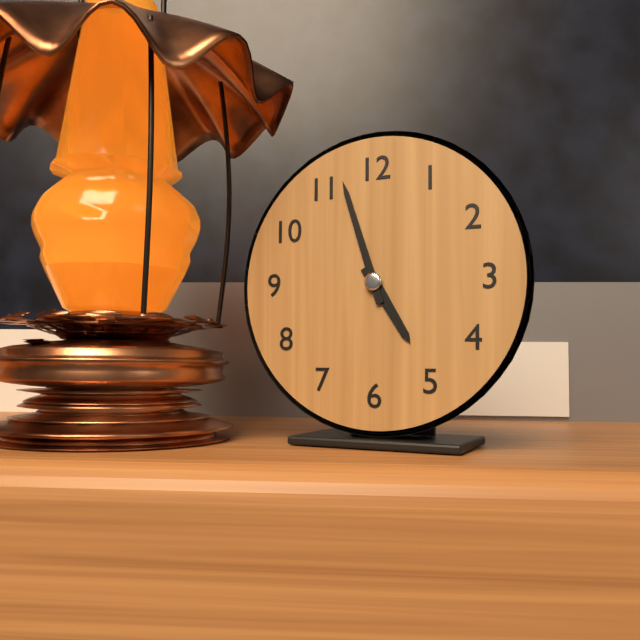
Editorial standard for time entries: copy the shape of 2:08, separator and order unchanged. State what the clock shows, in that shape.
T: 4:57
